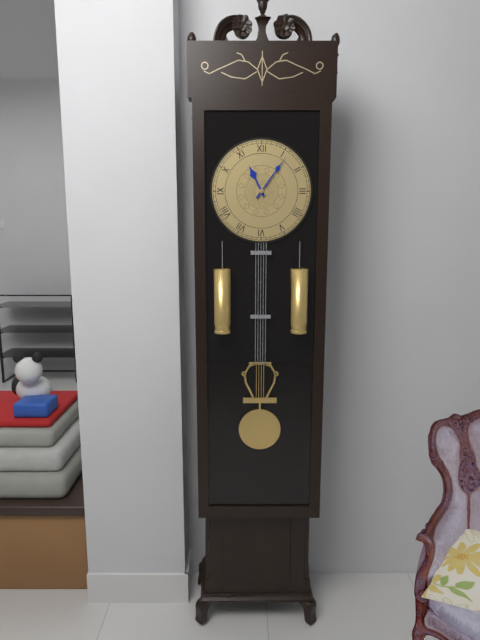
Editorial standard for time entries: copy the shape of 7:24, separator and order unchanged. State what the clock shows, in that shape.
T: 11:06
